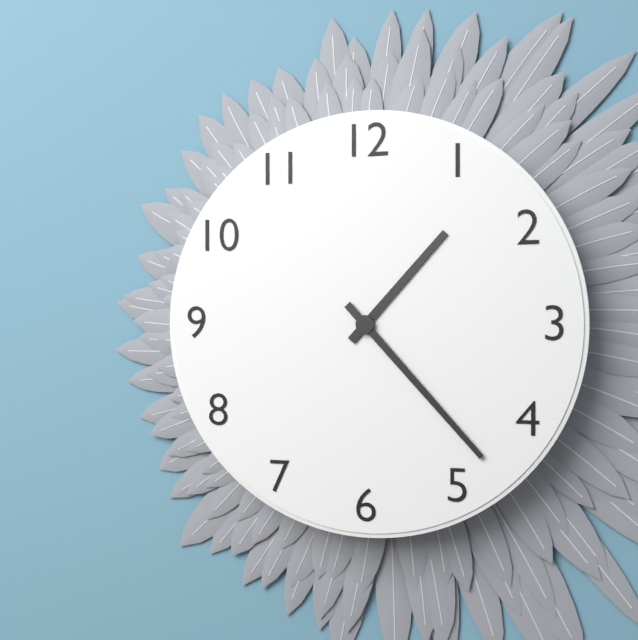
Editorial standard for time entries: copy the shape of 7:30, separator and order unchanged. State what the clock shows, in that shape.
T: 1:23
